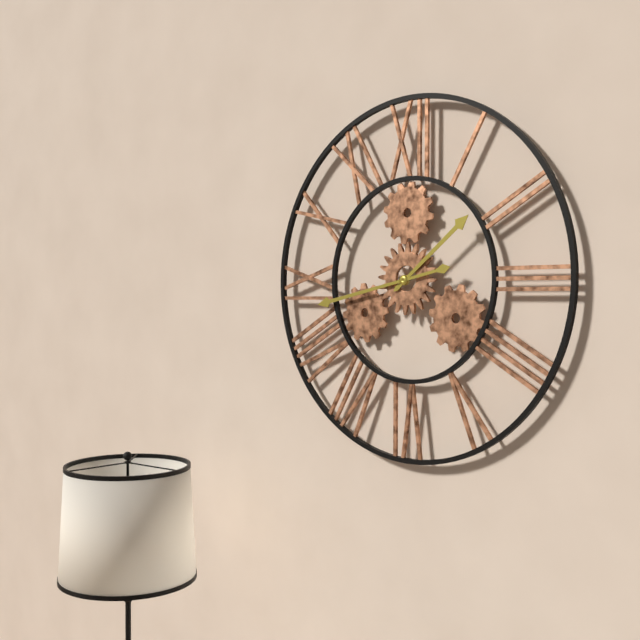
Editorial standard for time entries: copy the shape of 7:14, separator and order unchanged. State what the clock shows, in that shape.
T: 1:43
